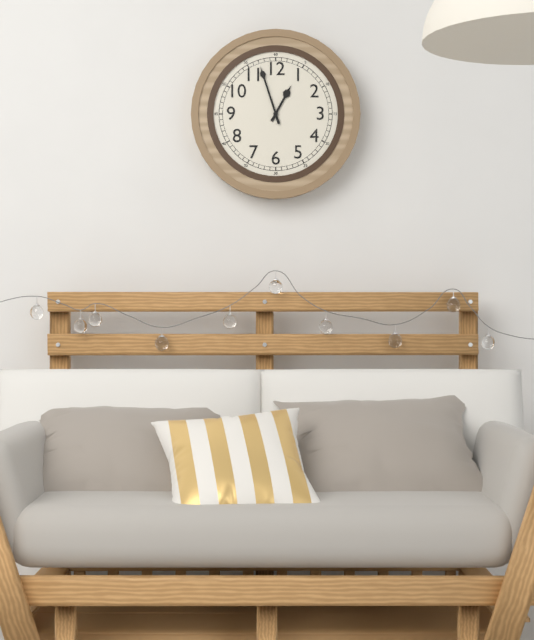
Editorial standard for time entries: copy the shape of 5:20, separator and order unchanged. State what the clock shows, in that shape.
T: 12:57
